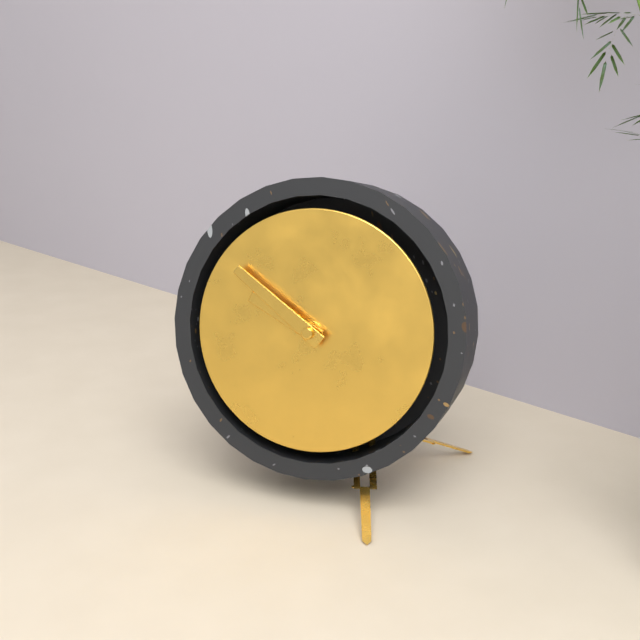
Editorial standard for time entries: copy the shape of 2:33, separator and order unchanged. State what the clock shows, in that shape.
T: 9:51
